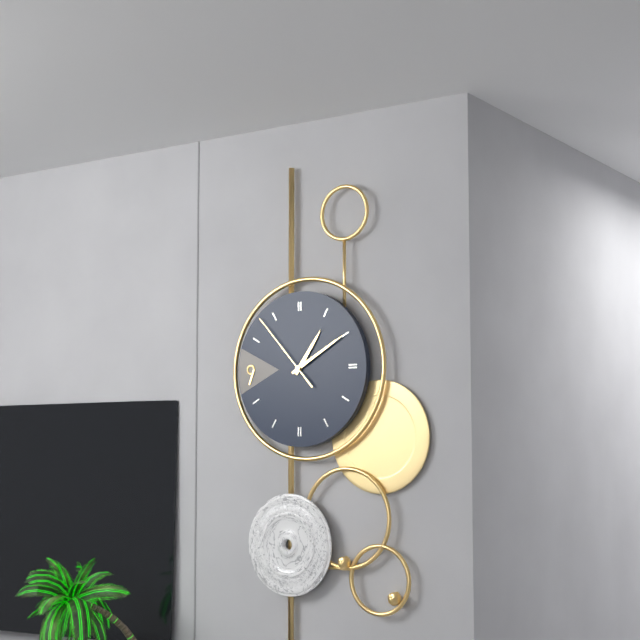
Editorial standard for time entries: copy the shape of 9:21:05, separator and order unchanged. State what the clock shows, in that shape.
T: 1:10:53
